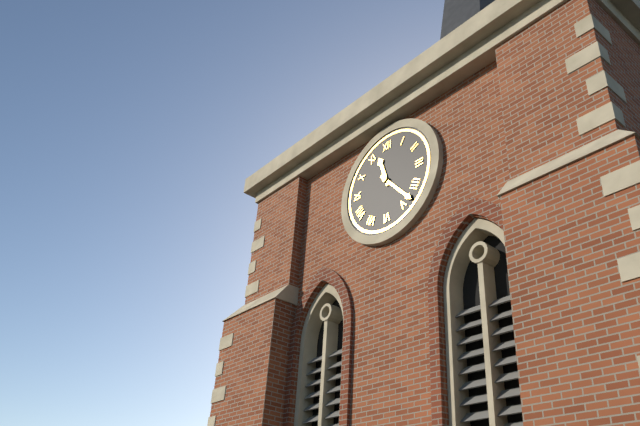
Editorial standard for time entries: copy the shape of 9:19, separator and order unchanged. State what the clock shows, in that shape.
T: 11:23
